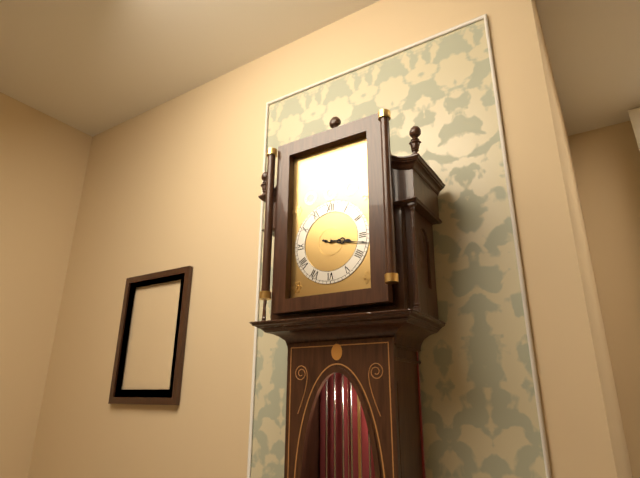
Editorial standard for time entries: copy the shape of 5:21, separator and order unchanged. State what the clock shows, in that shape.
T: 3:17
